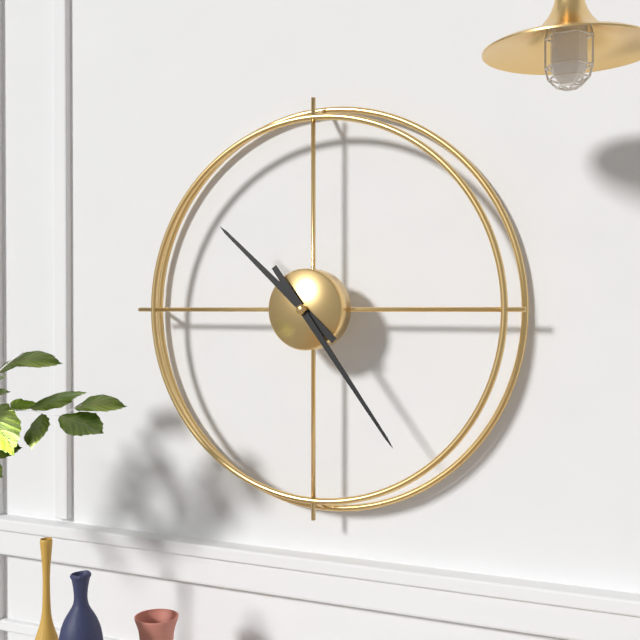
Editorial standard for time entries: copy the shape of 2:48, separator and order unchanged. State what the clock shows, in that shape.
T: 10:24
